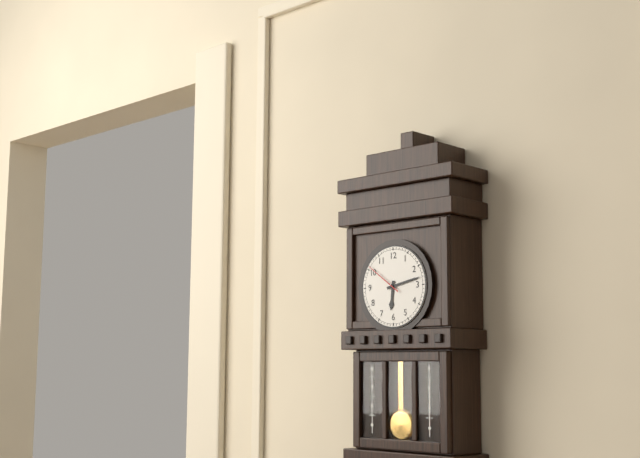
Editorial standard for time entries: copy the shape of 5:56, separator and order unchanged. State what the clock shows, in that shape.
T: 6:13
